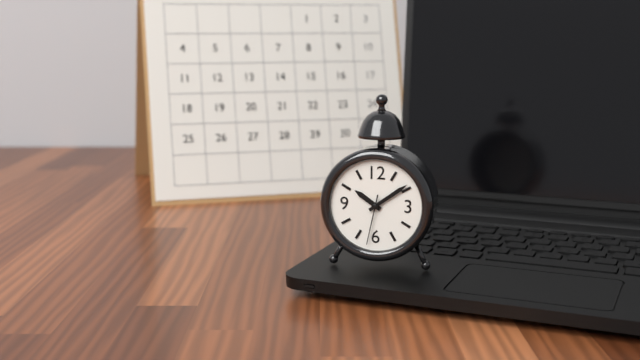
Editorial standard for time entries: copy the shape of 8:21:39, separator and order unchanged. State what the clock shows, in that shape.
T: 10:09:32
